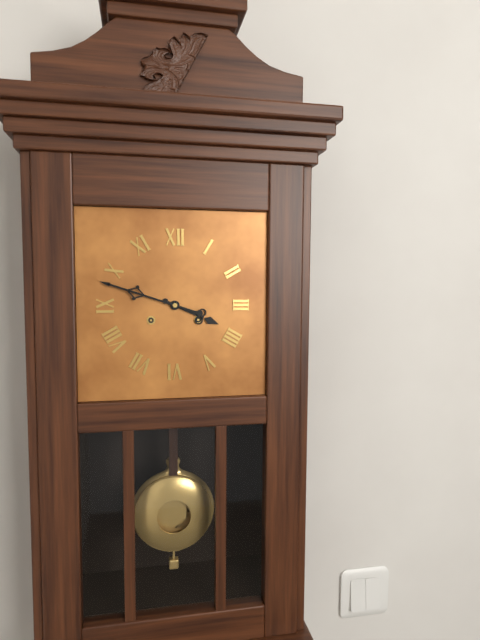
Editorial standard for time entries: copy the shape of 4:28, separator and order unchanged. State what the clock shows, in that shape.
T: 3:48
